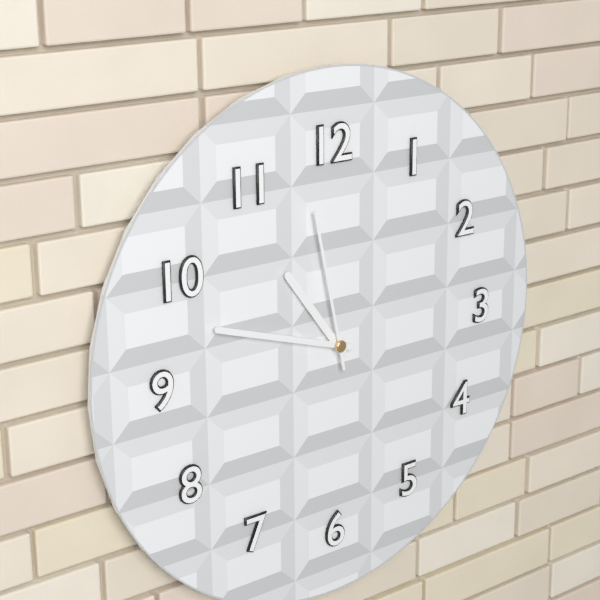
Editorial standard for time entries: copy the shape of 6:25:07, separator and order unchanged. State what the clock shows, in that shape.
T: 10:48:58
